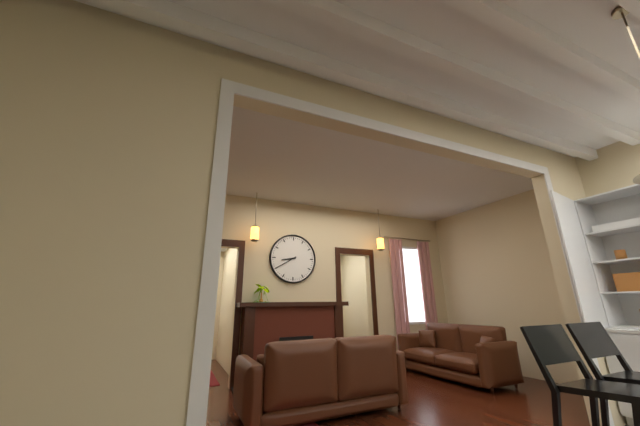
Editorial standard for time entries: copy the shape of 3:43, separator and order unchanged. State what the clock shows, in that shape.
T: 8:40
